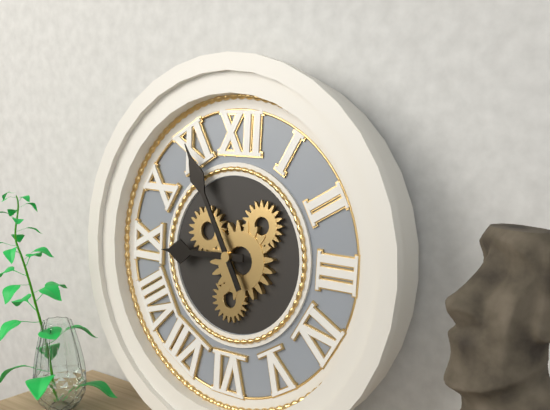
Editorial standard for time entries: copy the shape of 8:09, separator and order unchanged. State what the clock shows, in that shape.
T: 8:55
